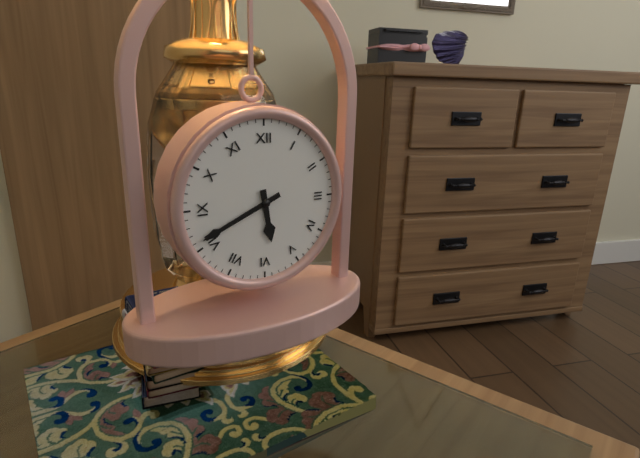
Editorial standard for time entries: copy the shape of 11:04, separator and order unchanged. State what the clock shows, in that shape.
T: 5:41
